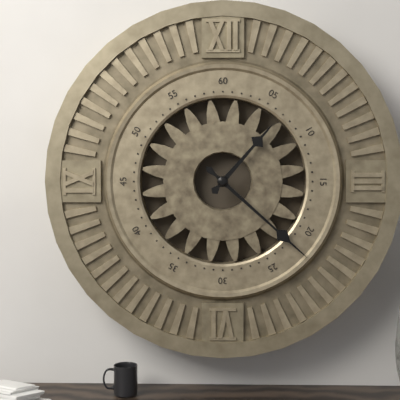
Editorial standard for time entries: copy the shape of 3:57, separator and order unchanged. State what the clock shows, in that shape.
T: 1:22
